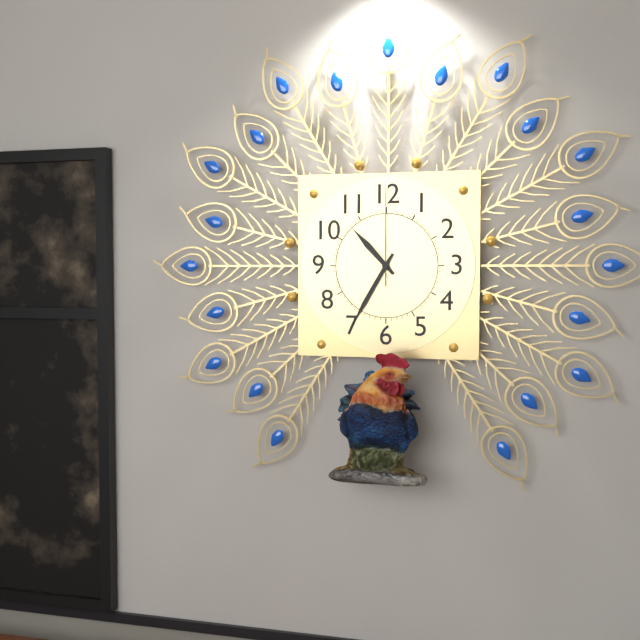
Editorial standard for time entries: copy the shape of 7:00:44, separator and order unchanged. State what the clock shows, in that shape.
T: 10:35:00
